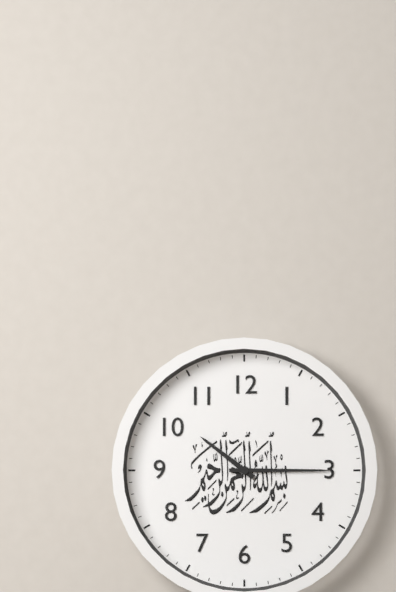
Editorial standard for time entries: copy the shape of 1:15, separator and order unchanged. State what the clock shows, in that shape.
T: 10:15
